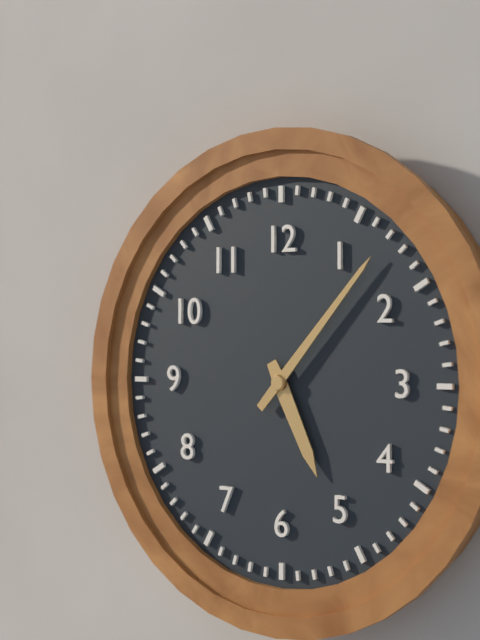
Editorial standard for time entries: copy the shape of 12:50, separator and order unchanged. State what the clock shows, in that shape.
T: 5:07
